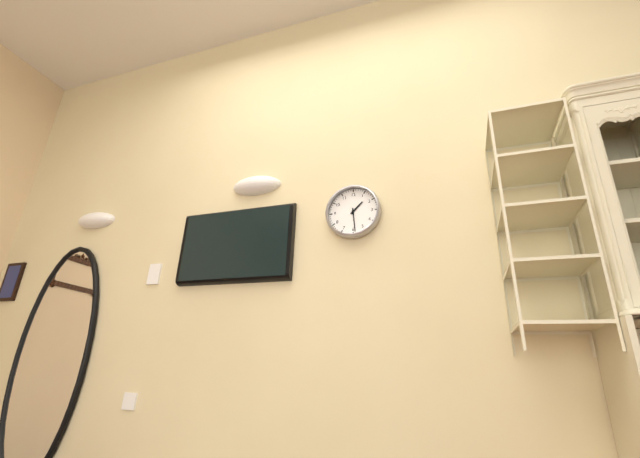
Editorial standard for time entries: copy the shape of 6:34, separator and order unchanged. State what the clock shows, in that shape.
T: 1:29
